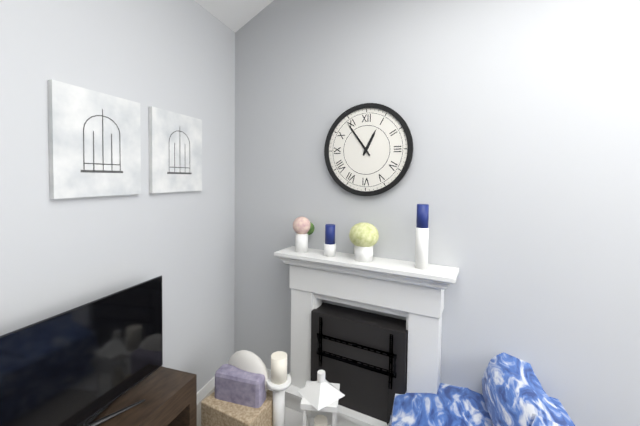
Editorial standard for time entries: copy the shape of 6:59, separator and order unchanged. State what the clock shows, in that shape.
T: 12:54
